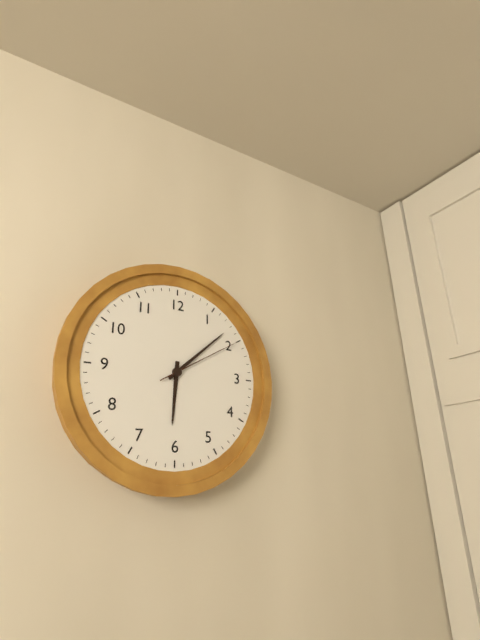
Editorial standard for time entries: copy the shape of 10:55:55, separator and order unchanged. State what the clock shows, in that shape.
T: 6:08:10
